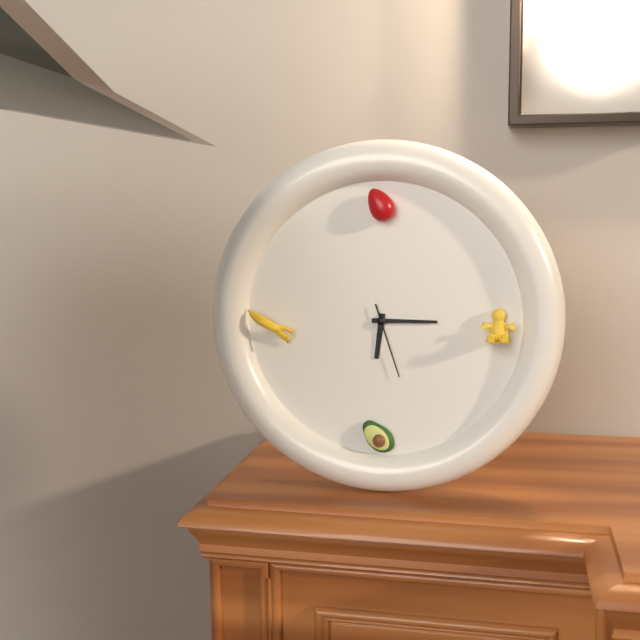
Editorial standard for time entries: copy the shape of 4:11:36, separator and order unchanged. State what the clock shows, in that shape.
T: 6:15:27
